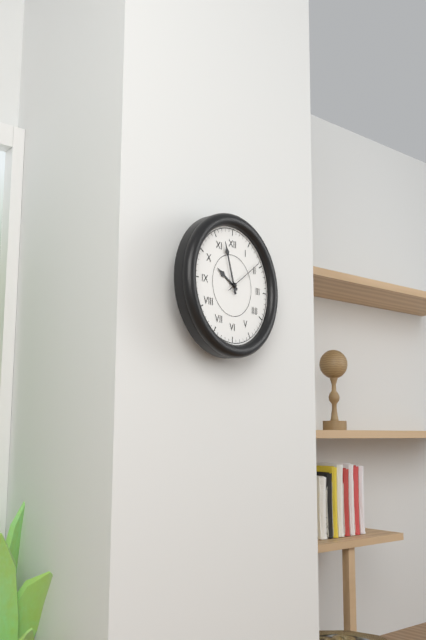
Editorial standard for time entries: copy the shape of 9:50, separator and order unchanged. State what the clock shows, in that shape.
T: 9:57
